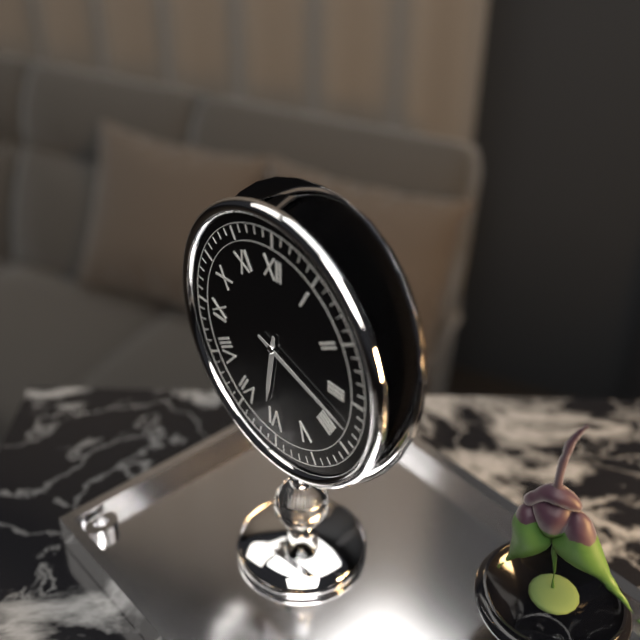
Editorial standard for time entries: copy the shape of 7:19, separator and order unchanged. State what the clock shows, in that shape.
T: 6:18
